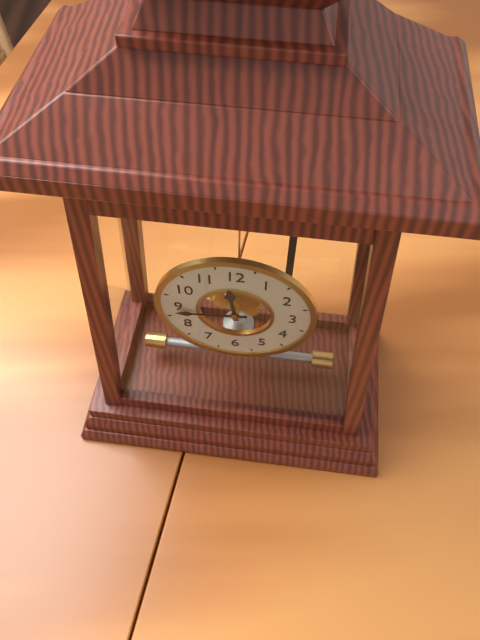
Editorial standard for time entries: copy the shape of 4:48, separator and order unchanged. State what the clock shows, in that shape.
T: 11:44
